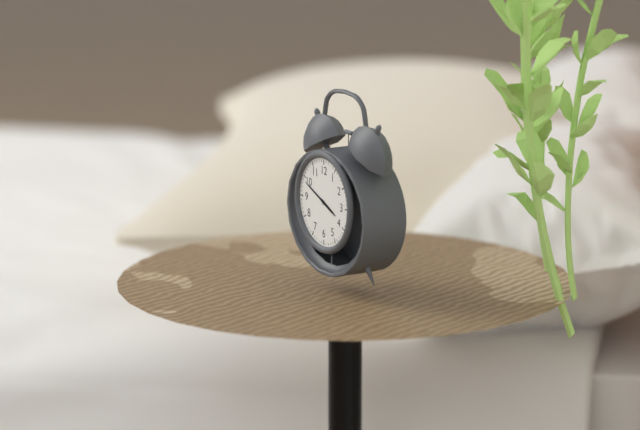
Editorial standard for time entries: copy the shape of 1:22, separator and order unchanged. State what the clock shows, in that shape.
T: 3:49
